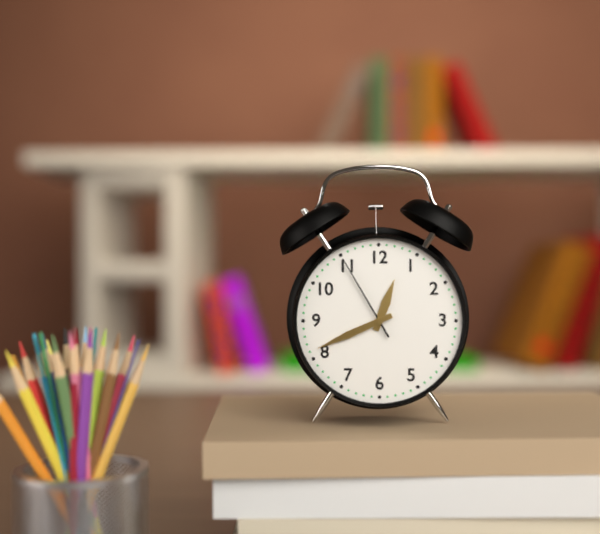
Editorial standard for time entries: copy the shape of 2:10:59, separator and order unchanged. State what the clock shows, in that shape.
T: 12:41:55
